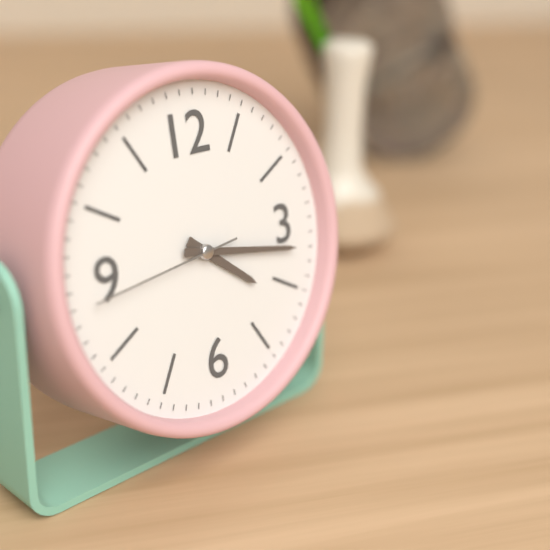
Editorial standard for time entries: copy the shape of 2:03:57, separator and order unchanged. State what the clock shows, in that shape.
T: 4:17:44
